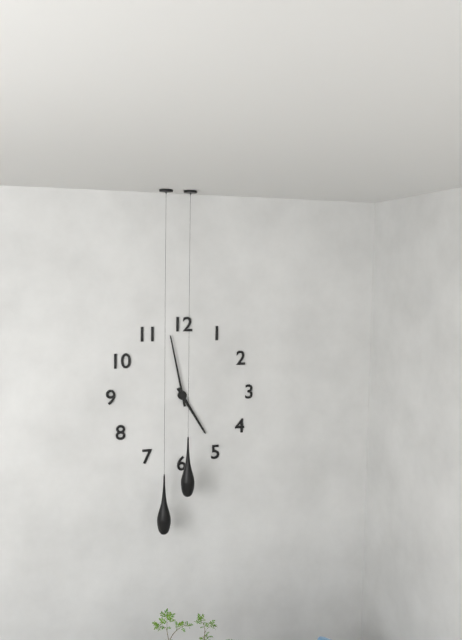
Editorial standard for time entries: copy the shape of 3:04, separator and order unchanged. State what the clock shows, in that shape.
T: 4:58
